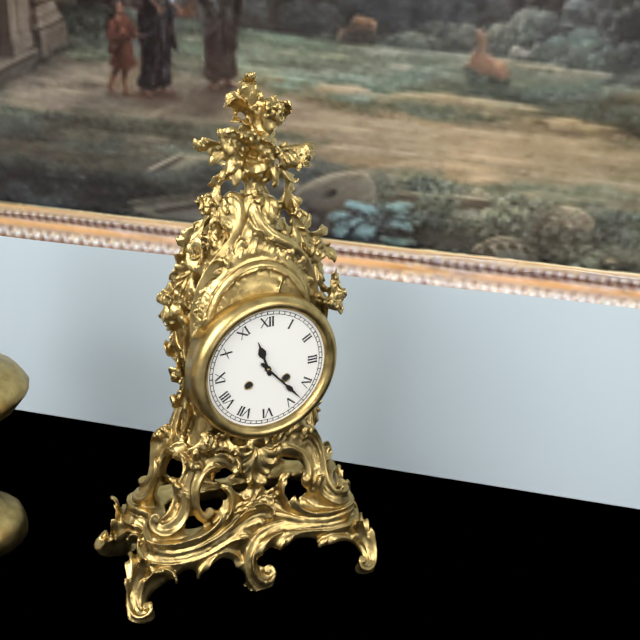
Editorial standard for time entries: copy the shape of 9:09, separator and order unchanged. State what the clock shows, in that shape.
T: 11:23
